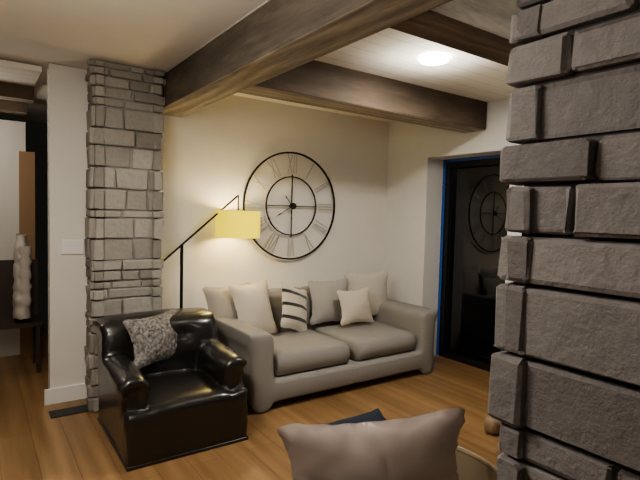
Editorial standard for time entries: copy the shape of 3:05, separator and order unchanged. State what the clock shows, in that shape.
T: 10:40
